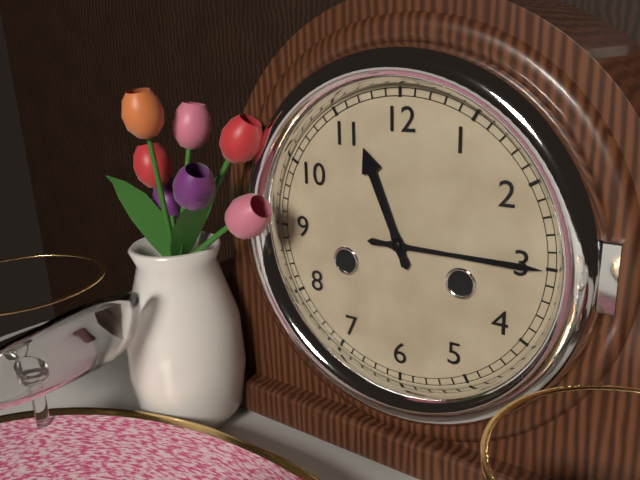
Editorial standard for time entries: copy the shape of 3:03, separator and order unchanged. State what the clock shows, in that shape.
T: 11:15
